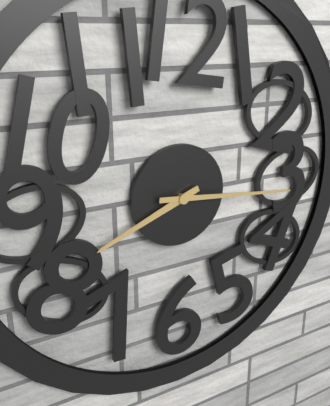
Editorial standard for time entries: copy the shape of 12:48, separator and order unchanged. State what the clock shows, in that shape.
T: 8:16
